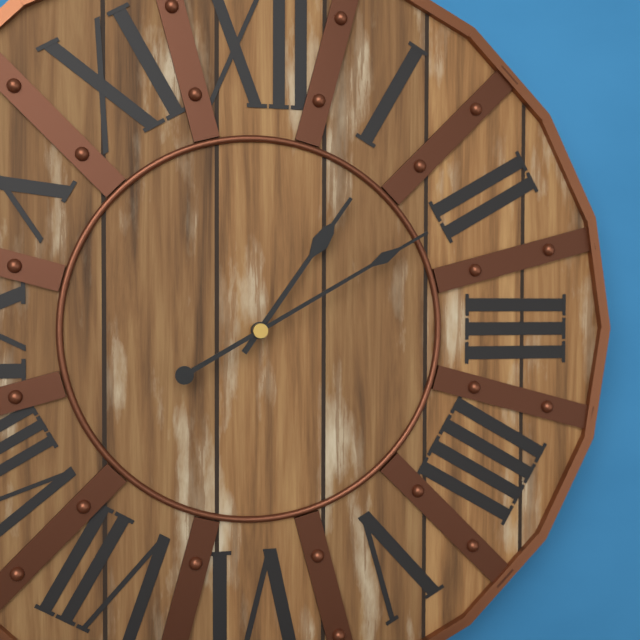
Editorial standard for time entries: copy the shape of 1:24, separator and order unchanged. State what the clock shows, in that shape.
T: 1:10
